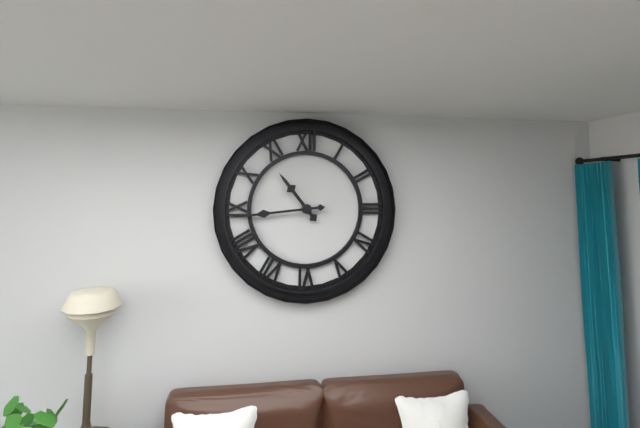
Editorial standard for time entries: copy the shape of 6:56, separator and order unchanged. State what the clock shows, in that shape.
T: 10:44
